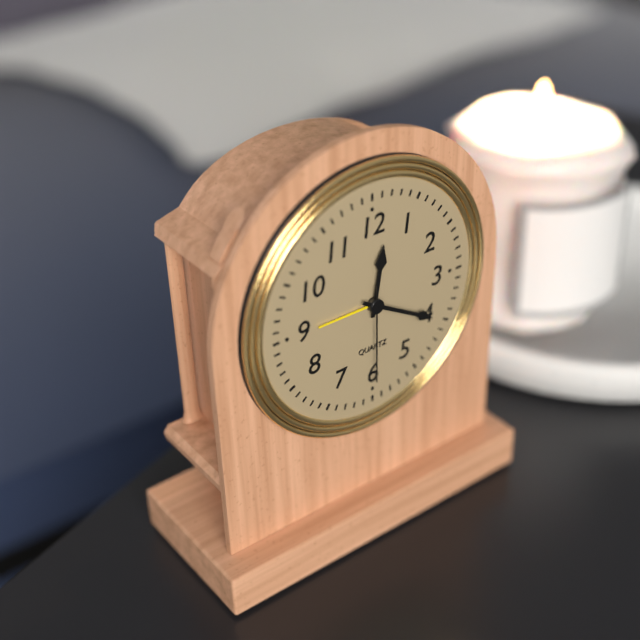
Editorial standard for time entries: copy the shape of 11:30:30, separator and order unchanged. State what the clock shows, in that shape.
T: 12:20:30
